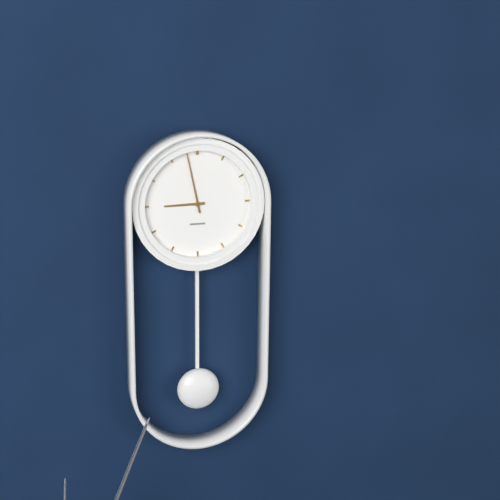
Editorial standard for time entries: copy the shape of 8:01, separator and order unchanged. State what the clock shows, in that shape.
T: 8:58
